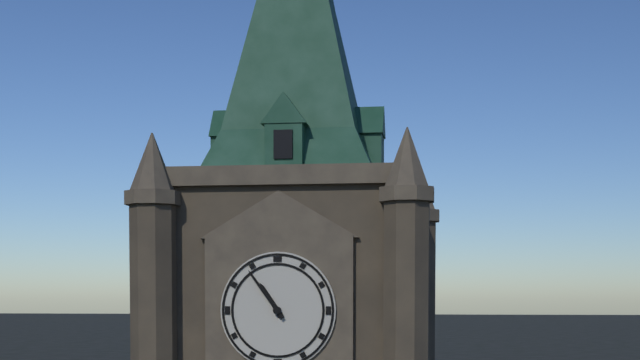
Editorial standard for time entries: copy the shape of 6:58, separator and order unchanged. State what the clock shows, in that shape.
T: 10:54
